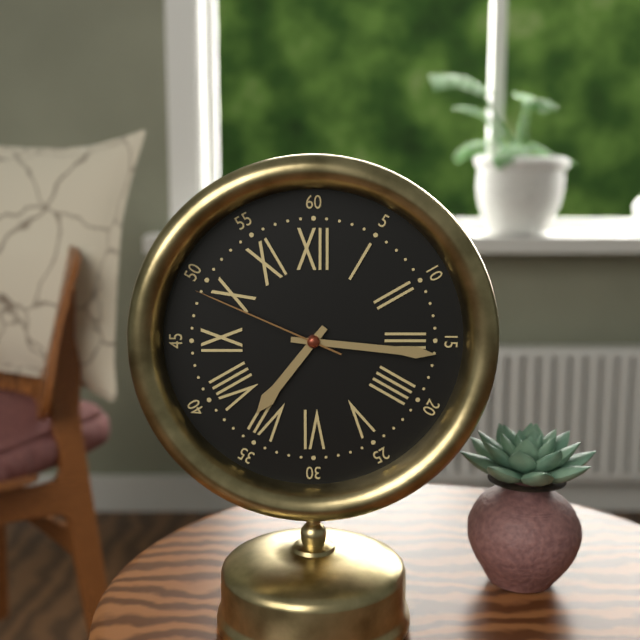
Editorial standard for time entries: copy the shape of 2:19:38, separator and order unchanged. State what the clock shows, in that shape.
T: 7:16:49
